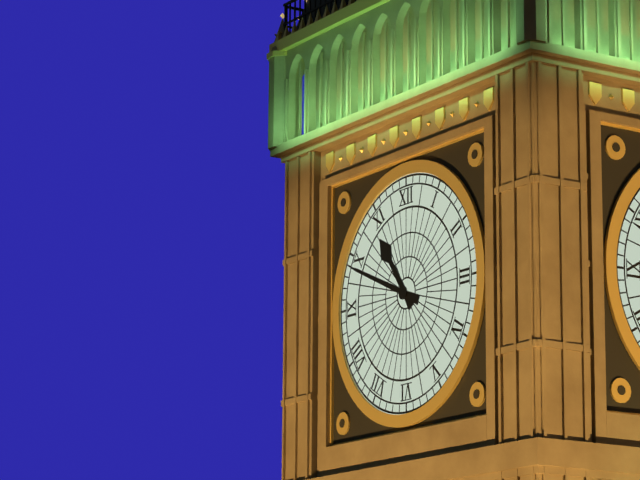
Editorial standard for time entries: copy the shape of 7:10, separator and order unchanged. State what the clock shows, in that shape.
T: 10:49
